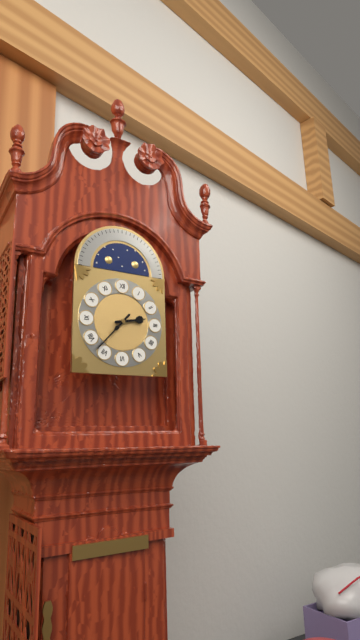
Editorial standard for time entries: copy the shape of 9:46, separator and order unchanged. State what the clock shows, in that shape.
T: 2:37
